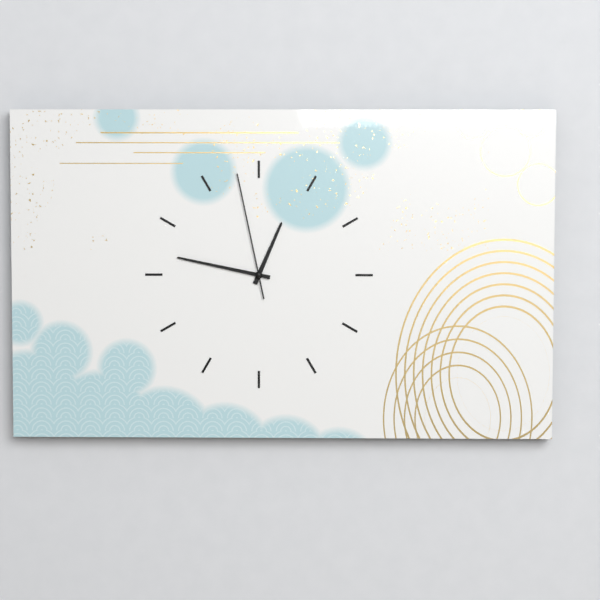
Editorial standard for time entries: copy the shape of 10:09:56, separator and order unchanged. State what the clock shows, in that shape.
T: 12:47:58
